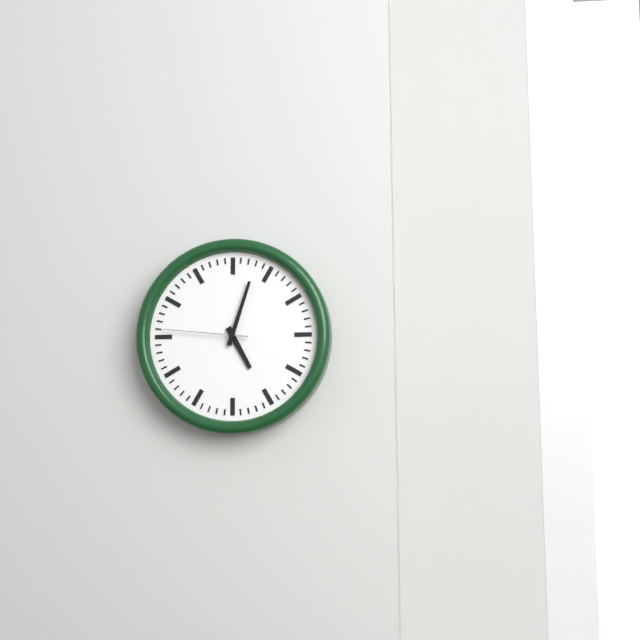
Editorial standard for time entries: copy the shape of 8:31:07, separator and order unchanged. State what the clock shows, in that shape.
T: 5:03:46
